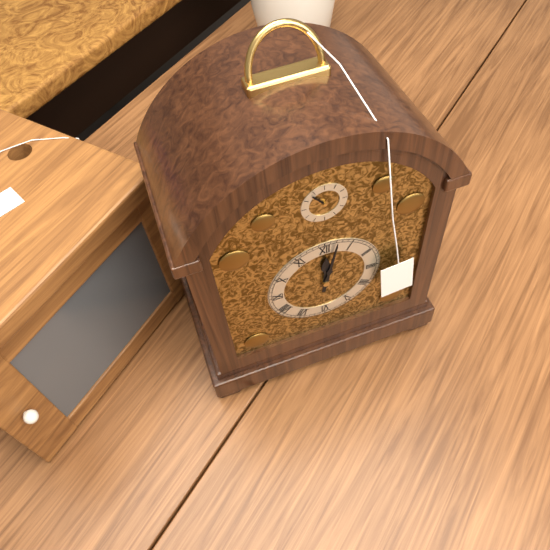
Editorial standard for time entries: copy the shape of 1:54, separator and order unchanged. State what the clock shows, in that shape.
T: 12:02
